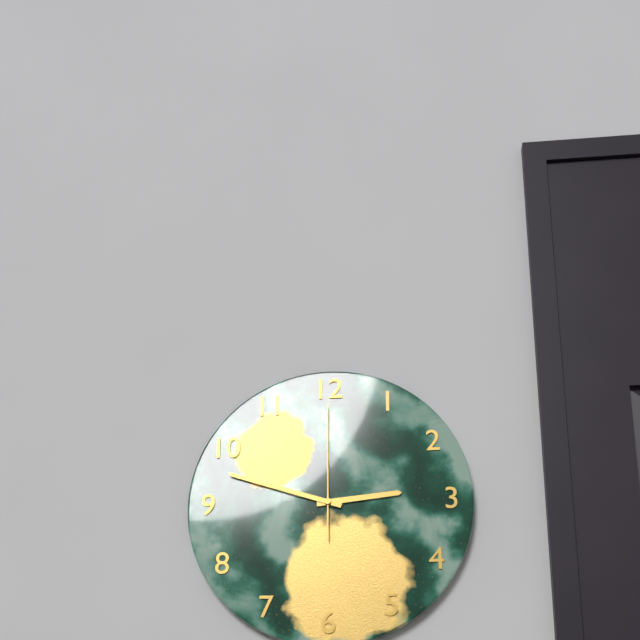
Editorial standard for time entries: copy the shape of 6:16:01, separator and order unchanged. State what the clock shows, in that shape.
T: 2:48:00
